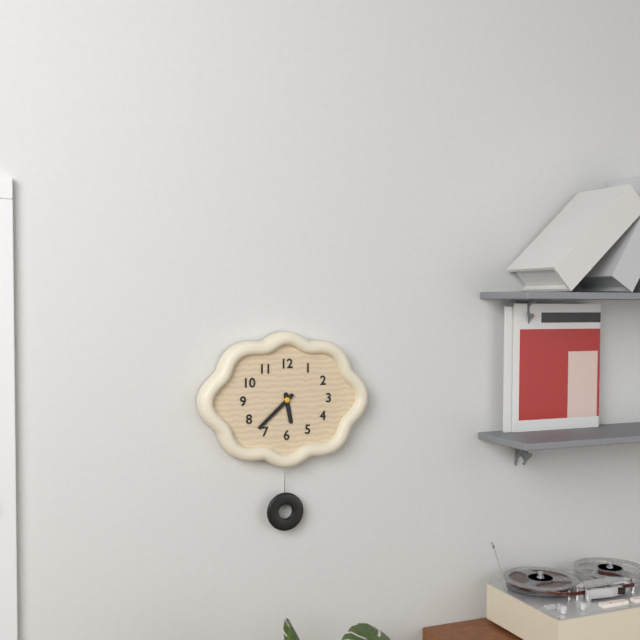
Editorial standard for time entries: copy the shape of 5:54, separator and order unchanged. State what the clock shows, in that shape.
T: 5:38
